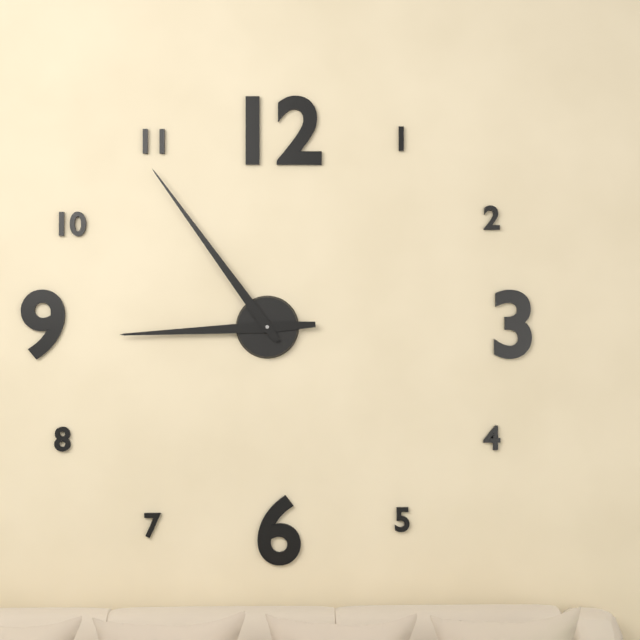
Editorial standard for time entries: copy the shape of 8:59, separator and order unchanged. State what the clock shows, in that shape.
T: 8:54
